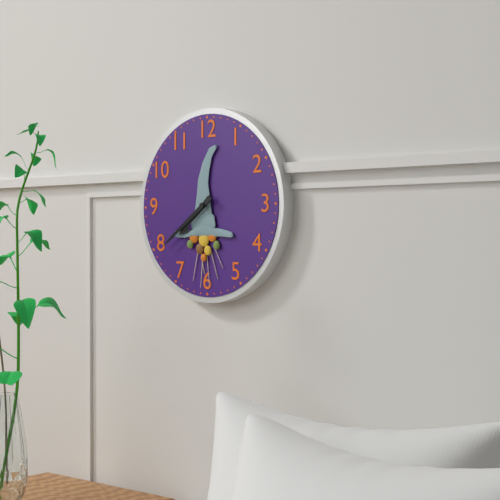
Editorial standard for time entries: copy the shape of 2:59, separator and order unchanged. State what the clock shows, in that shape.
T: 7:39
